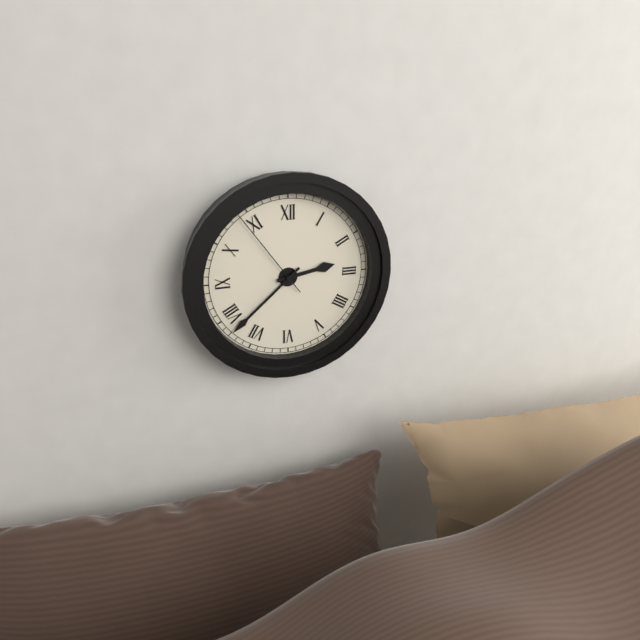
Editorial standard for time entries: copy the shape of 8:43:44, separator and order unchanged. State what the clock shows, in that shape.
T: 2:38:54
